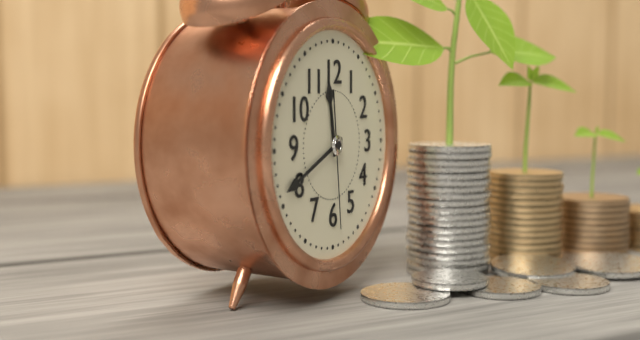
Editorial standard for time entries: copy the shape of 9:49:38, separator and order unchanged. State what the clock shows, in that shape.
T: 11:41:29
